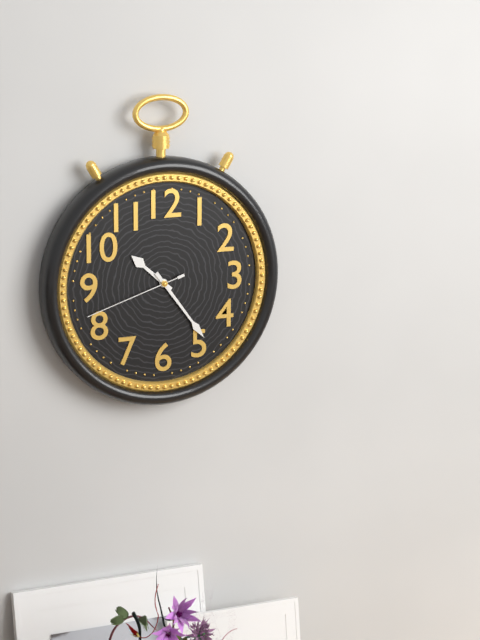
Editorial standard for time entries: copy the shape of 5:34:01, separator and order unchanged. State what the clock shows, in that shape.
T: 10:24:42
